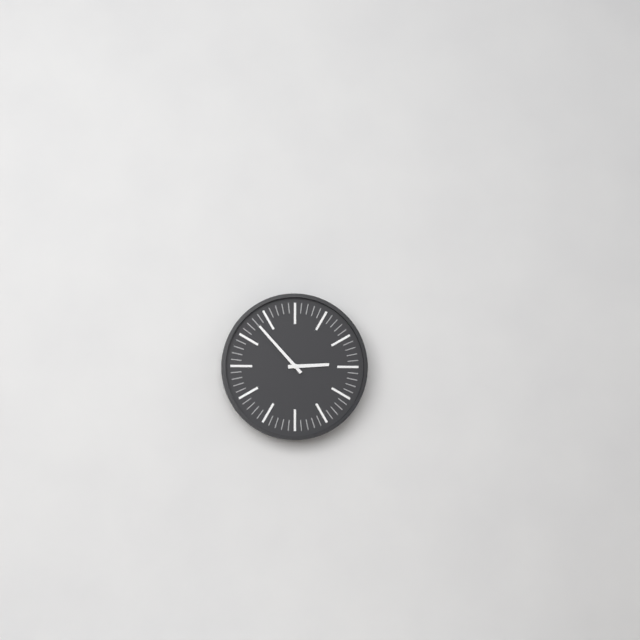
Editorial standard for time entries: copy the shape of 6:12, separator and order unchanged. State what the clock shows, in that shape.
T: 2:53
